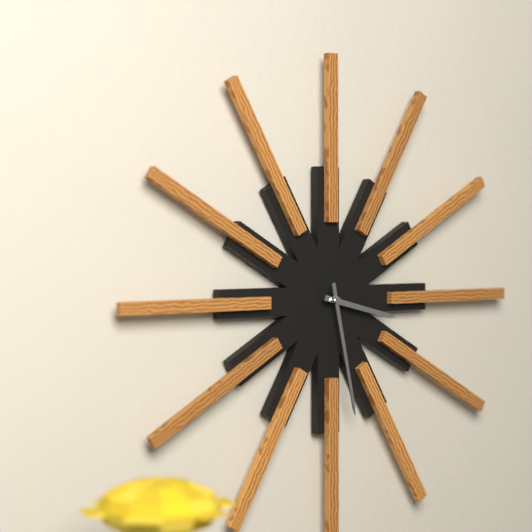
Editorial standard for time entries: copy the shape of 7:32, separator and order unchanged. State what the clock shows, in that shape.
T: 3:28
